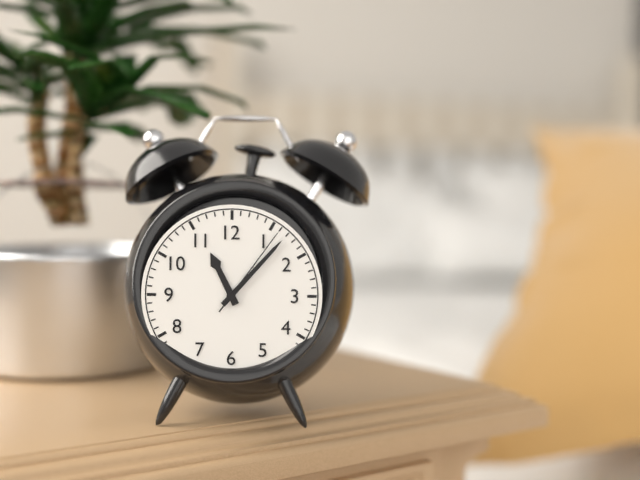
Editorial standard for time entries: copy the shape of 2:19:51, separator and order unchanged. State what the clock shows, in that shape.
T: 11:07:06
